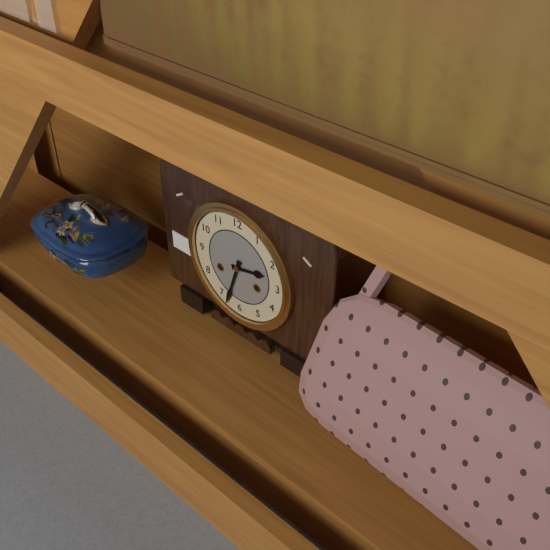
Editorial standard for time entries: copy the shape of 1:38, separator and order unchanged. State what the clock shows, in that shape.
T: 2:33
